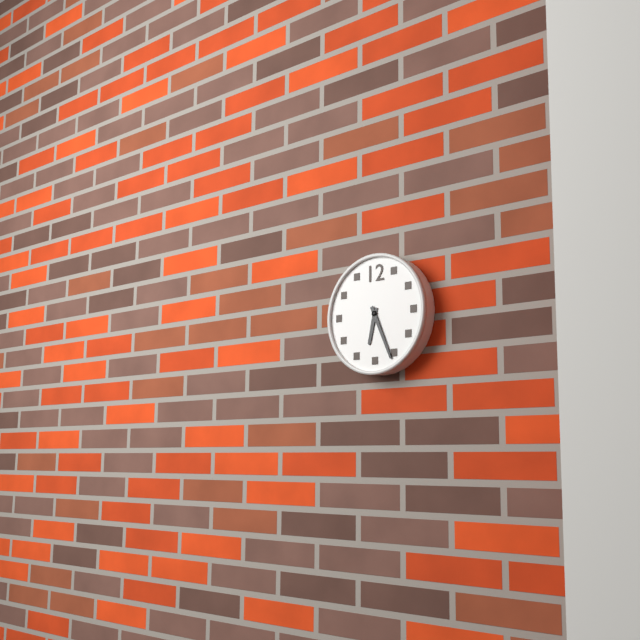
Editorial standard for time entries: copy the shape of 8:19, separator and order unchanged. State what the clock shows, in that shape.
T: 6:26
